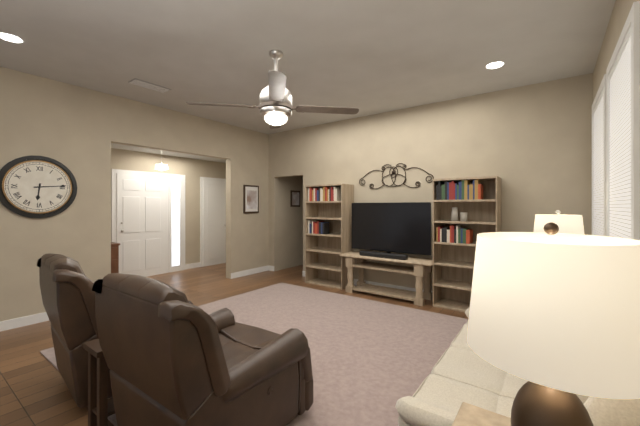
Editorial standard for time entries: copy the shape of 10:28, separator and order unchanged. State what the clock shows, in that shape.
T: 6:14
